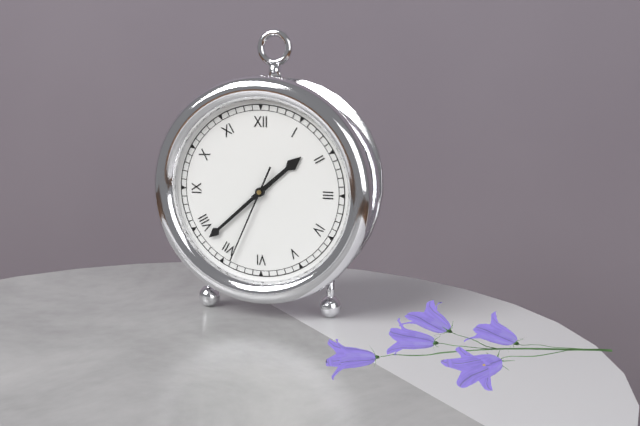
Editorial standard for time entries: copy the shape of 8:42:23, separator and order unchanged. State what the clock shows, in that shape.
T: 1:38:34
